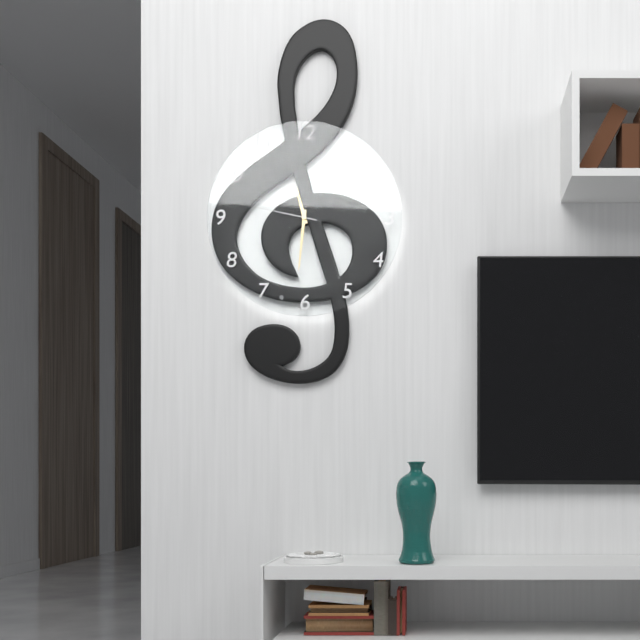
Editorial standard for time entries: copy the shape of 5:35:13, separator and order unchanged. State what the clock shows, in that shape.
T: 11:31:47
